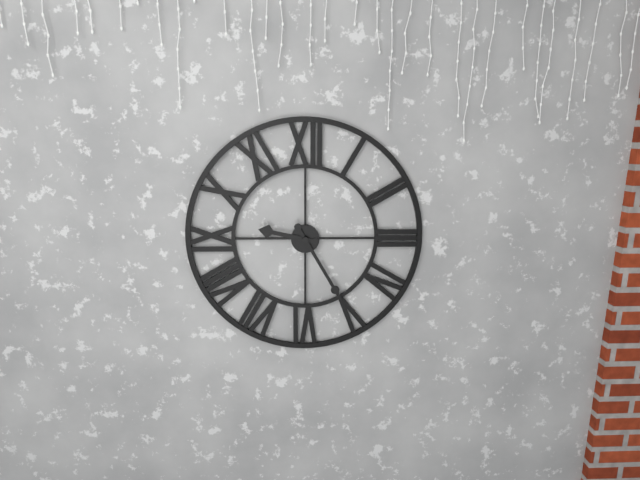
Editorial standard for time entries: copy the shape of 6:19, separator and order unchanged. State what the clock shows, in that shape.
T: 9:25
